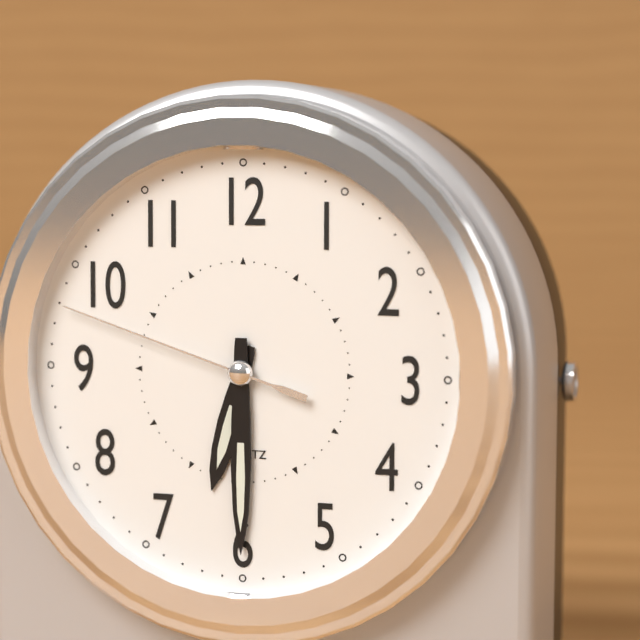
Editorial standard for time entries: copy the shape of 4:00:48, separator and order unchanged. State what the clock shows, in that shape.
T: 6:30:48
